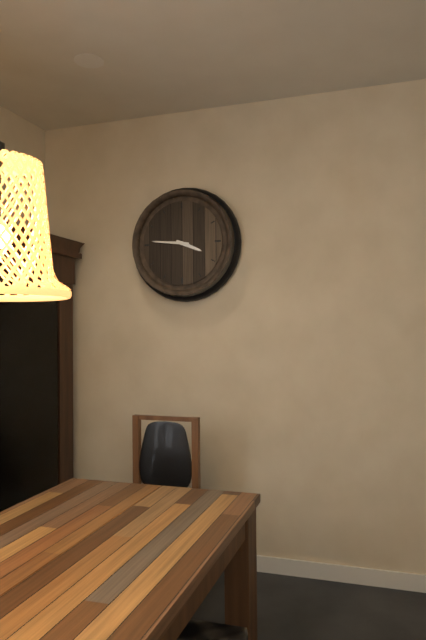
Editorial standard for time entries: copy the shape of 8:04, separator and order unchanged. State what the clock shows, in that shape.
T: 3:46
